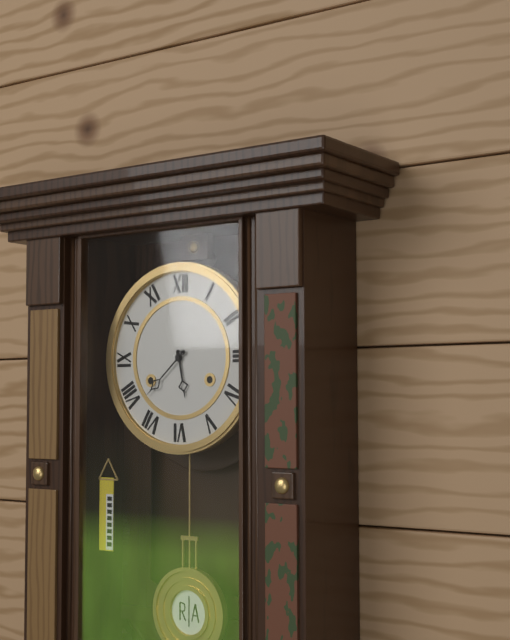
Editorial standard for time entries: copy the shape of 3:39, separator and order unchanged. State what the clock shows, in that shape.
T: 5:38
